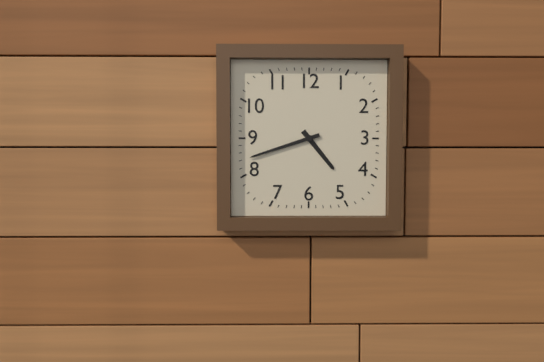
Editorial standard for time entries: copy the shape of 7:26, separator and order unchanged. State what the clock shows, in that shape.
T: 4:42
